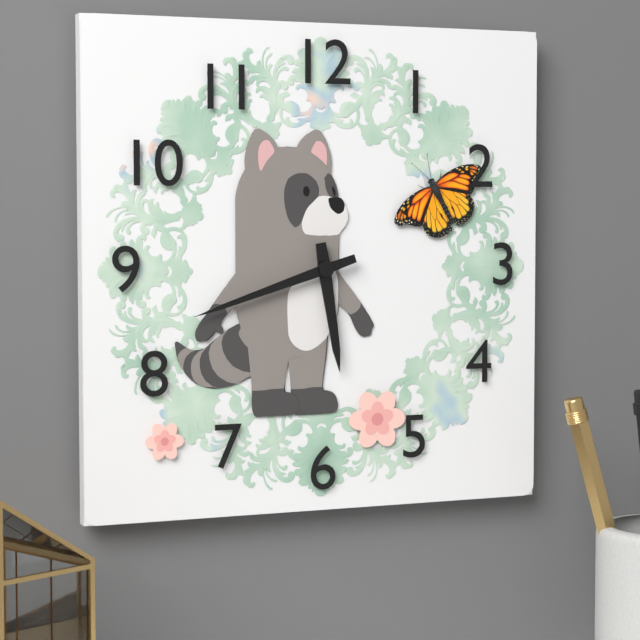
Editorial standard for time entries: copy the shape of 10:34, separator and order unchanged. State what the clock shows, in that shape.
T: 5:42
